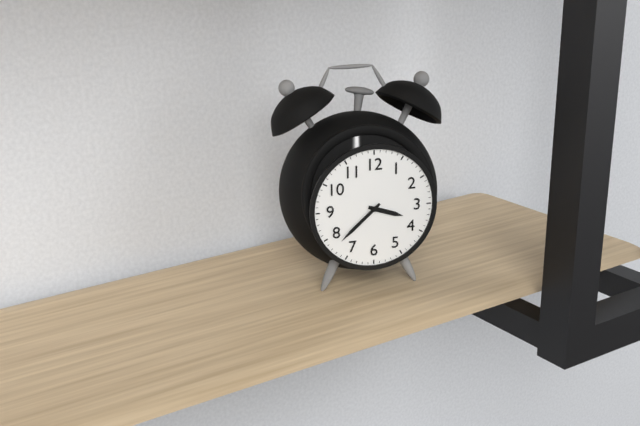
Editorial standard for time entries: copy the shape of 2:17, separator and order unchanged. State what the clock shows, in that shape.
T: 3:38
